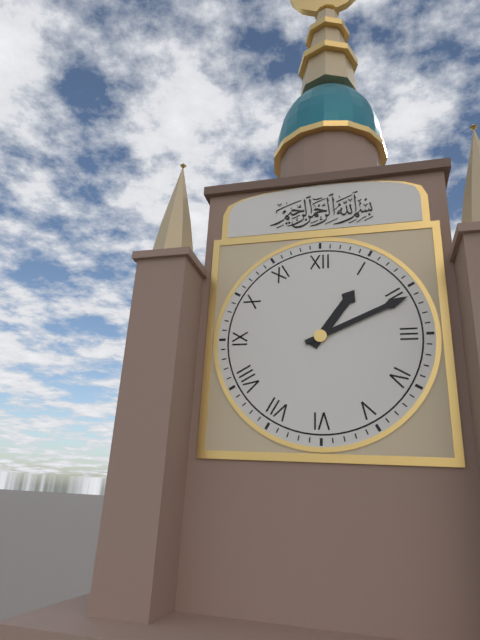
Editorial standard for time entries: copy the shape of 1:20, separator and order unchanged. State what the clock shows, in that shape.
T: 1:11
